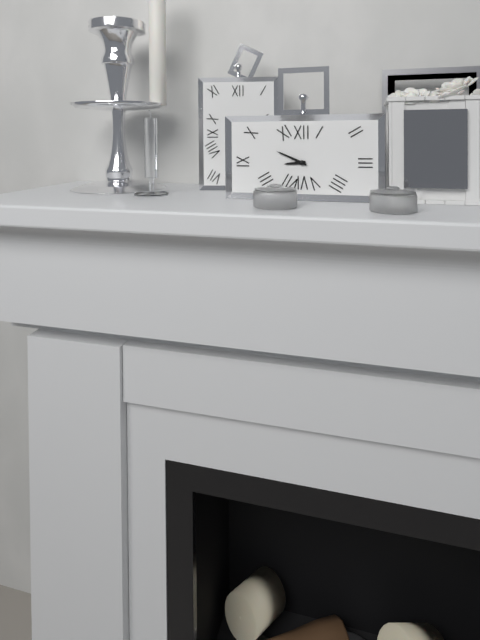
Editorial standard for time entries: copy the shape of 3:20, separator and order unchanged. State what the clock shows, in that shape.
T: 8:49
